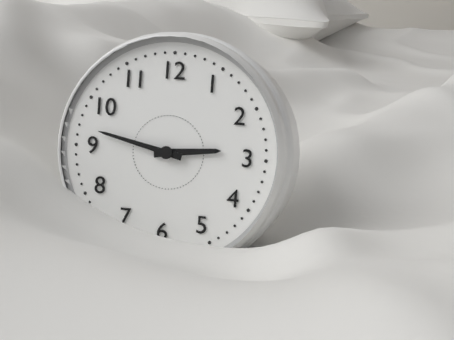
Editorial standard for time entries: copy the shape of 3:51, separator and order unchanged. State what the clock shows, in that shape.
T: 2:47
